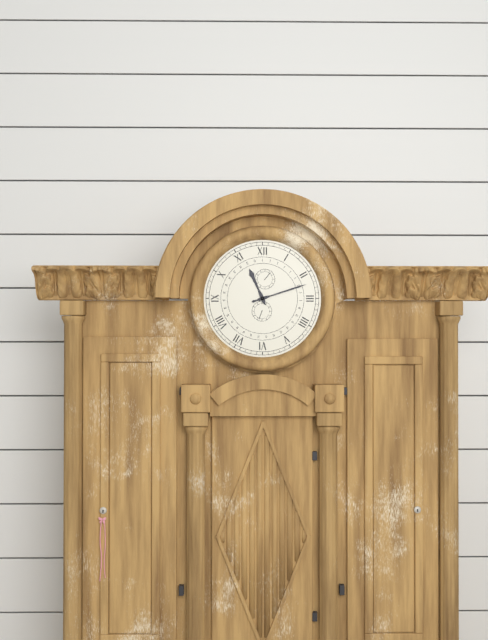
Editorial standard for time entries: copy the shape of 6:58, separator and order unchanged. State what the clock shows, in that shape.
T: 11:12
